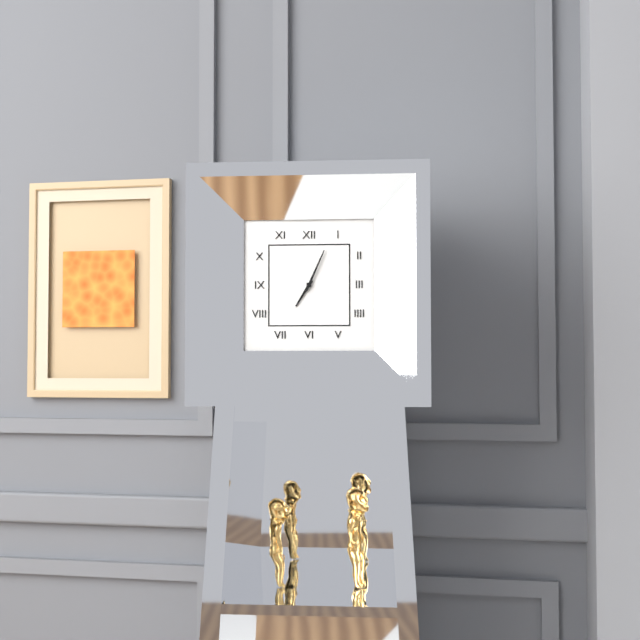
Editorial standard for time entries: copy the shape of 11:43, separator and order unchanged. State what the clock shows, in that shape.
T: 7:04
